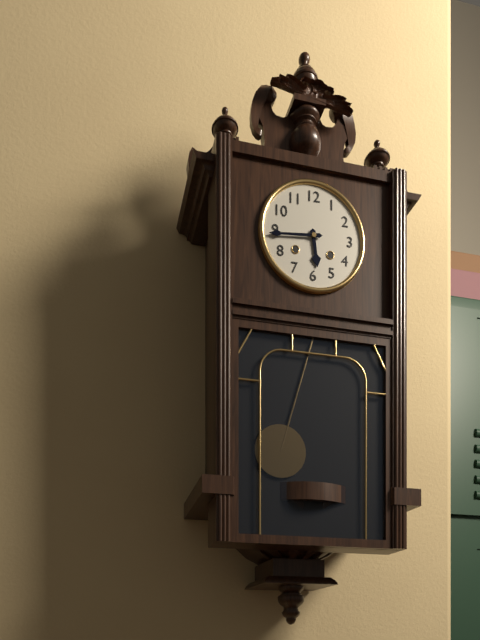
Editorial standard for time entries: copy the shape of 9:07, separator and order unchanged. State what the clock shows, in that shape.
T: 5:44
